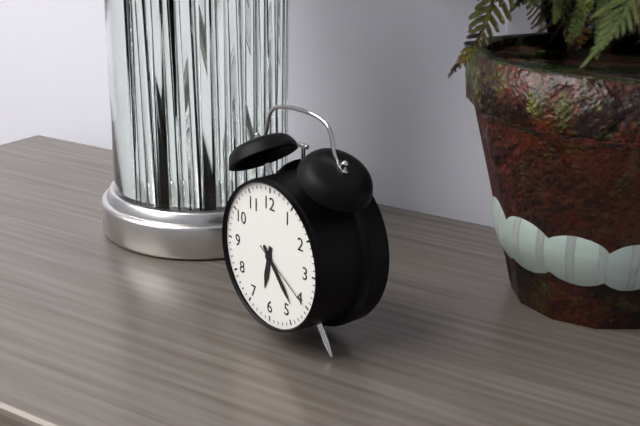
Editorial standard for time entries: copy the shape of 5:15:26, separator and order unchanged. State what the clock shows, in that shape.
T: 6:23:20
